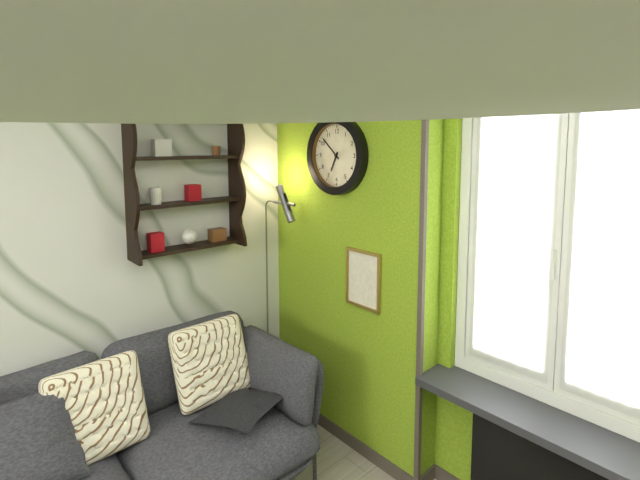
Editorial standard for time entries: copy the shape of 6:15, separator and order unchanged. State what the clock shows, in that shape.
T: 6:52
